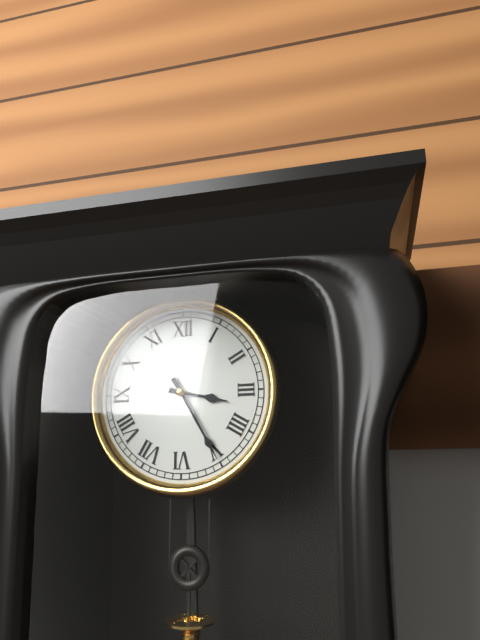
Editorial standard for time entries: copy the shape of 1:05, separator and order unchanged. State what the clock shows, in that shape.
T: 3:25
